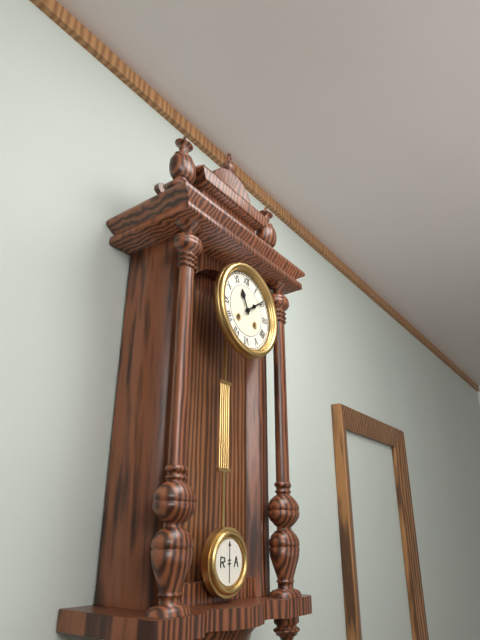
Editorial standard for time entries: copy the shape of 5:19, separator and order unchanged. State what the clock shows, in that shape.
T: 11:09
